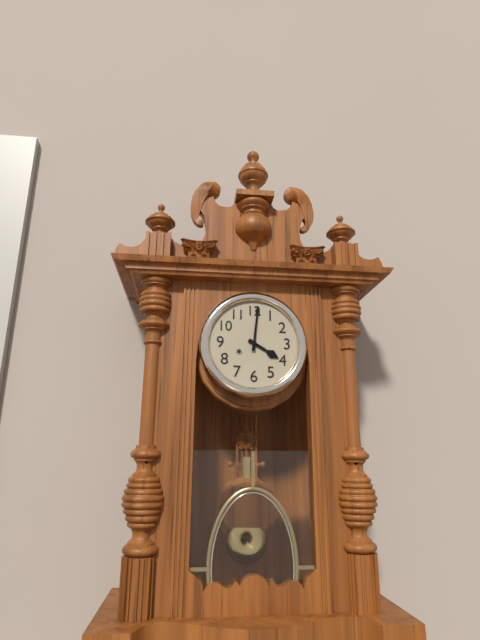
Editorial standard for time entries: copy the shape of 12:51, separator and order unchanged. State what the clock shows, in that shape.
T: 4:01
